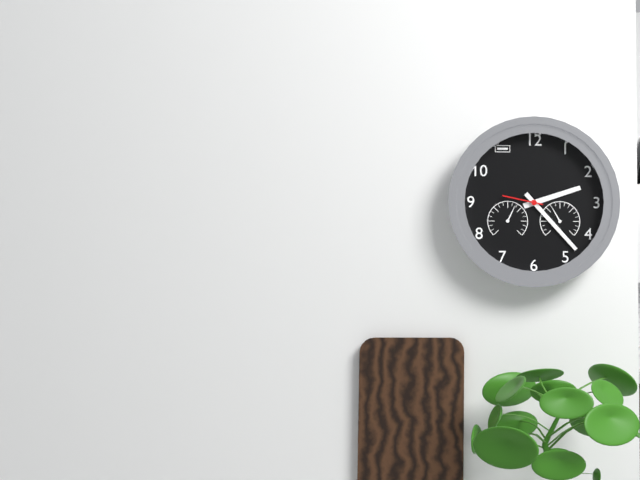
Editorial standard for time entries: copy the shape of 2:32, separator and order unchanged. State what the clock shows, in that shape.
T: 2:23
